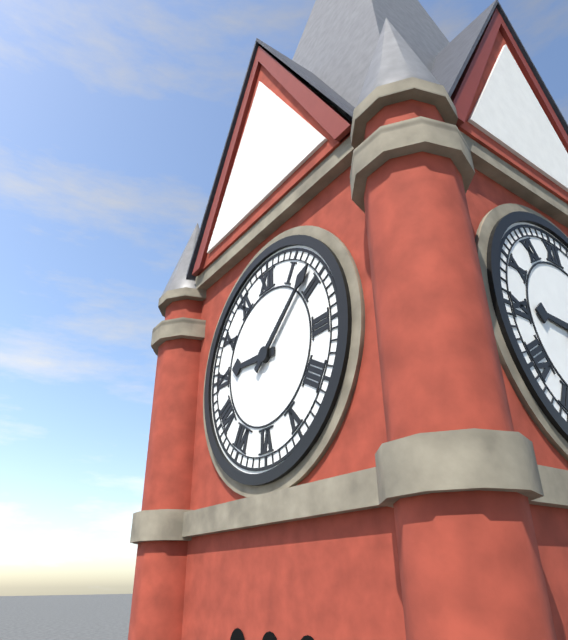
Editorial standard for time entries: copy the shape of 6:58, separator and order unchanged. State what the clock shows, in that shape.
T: 9:08
